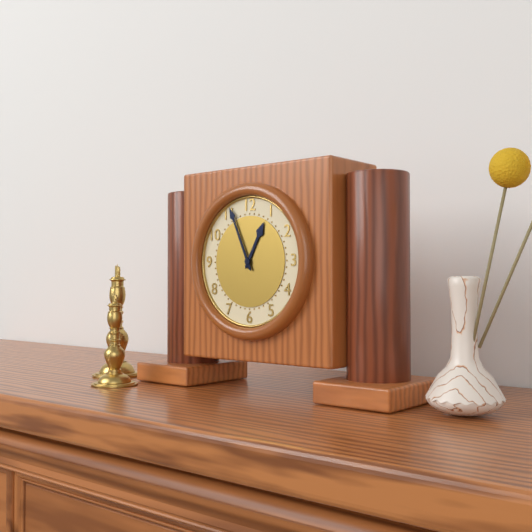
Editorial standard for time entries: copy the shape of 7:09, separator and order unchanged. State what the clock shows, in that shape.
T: 12:56
